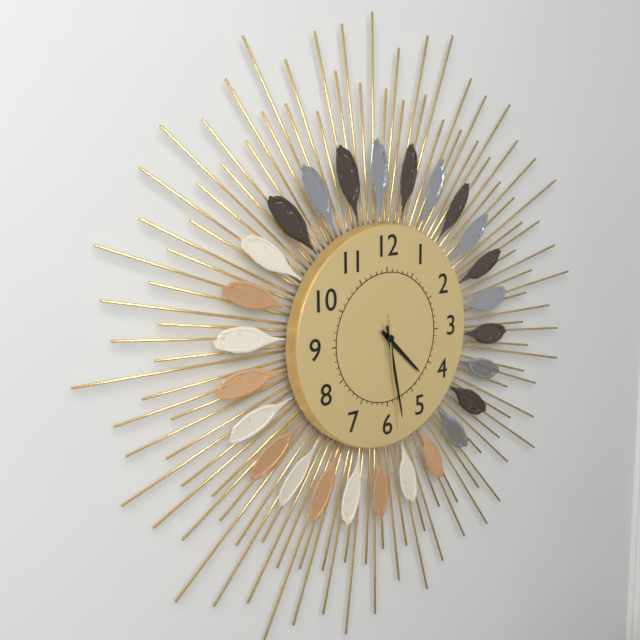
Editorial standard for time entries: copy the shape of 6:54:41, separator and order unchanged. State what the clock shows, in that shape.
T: 4:28:29
